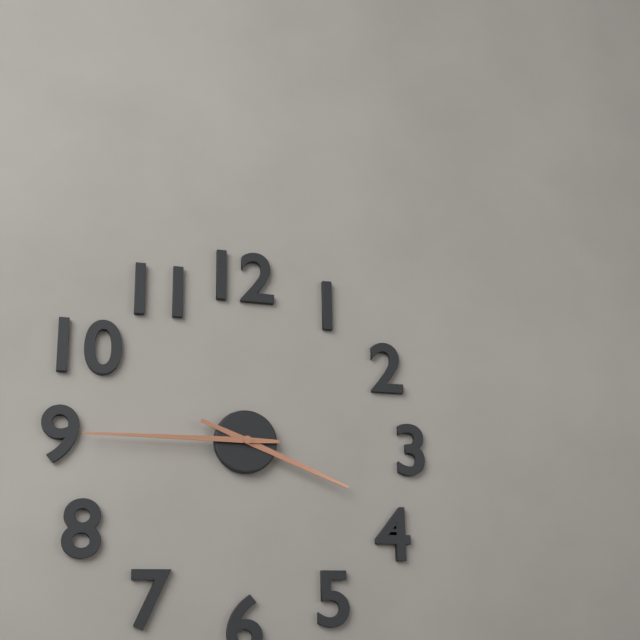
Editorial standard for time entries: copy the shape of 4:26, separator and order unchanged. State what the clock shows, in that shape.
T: 3:45
